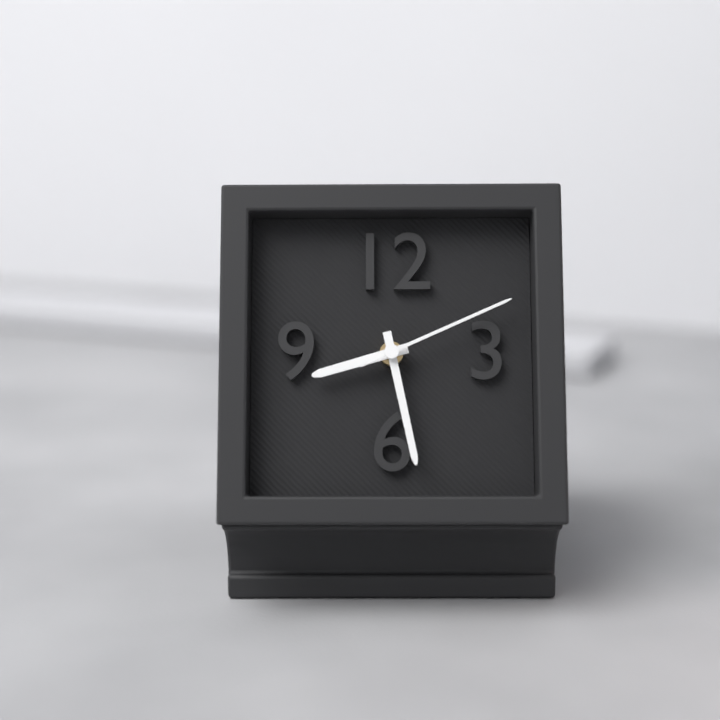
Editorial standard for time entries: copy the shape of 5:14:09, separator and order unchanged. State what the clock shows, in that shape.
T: 8:28:11
